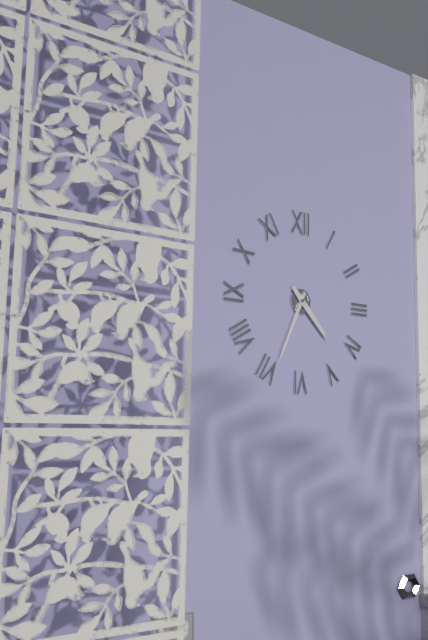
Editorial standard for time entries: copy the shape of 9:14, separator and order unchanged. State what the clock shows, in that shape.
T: 4:34
